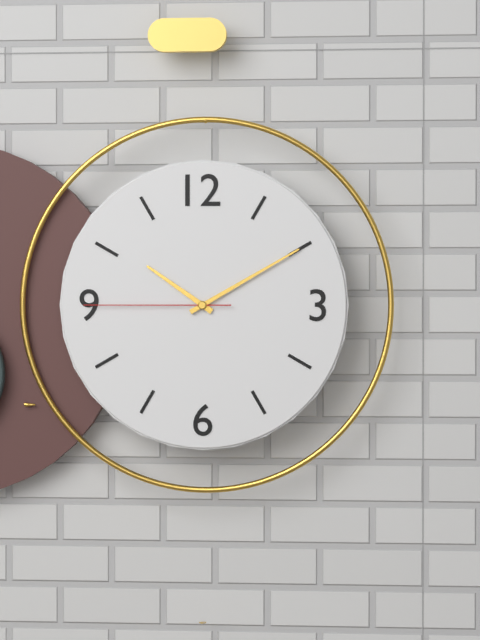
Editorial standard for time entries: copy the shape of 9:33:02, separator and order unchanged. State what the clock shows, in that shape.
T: 10:10:45
